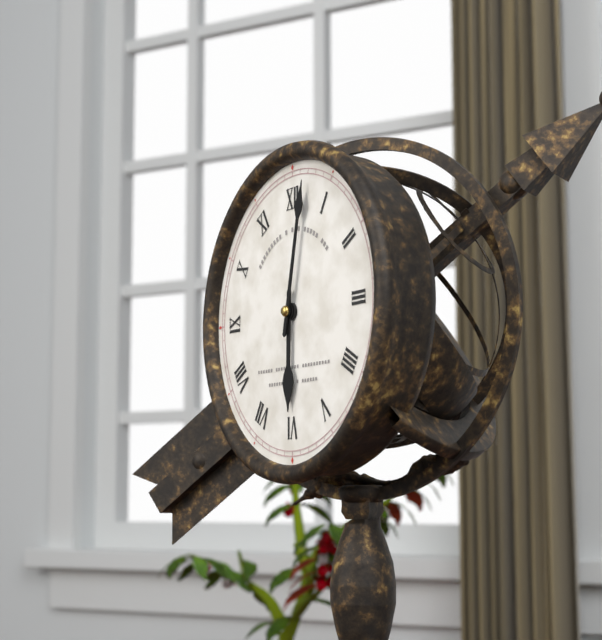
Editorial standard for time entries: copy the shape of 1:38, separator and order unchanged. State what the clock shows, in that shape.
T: 6:02
